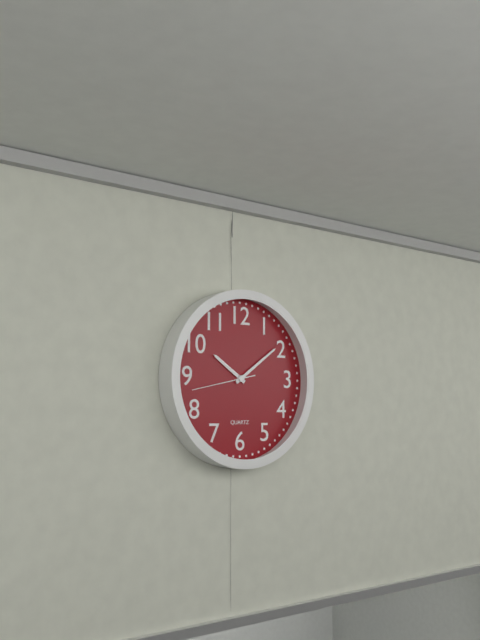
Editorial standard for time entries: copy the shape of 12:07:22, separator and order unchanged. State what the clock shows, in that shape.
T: 10:09:43
